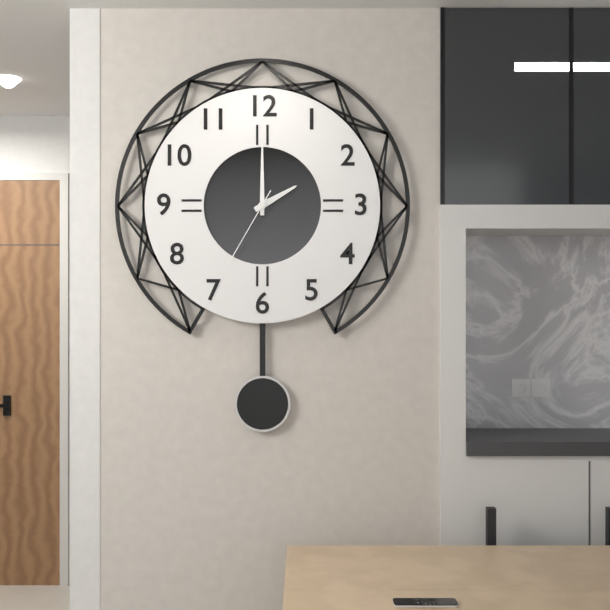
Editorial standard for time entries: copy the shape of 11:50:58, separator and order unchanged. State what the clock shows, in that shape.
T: 2:00:35
